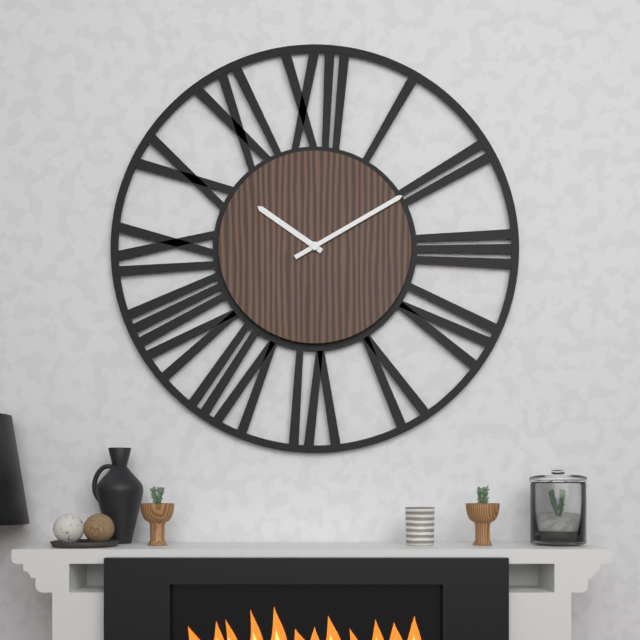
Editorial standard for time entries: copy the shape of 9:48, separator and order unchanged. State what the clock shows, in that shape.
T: 10:10
